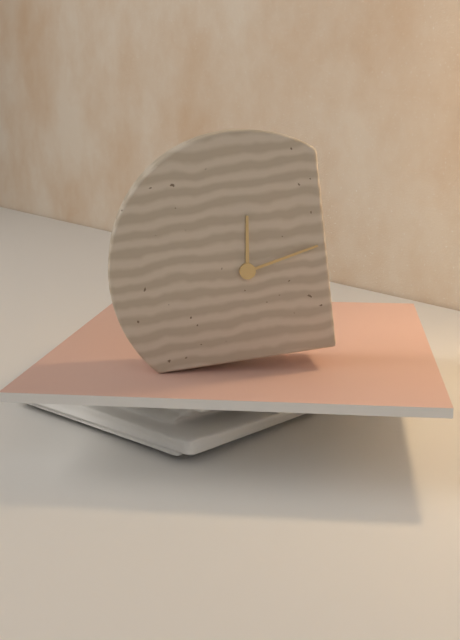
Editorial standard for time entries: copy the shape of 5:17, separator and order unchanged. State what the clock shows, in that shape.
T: 12:13
